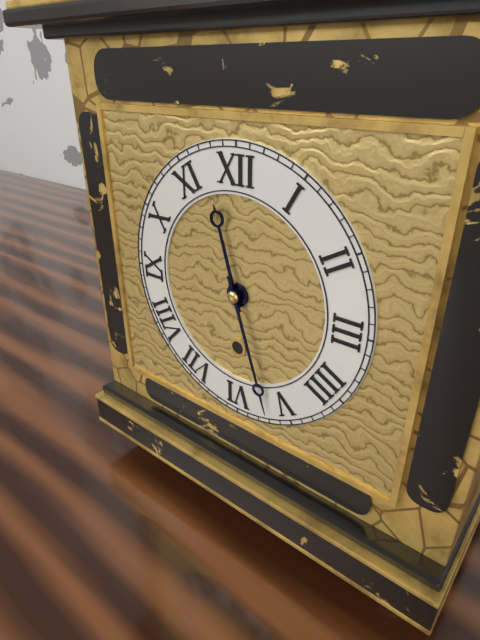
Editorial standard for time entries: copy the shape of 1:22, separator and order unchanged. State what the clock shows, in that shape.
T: 11:27
